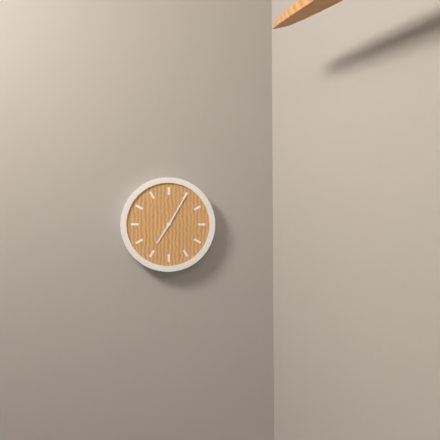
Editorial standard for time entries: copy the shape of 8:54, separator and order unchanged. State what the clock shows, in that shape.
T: 7:05
